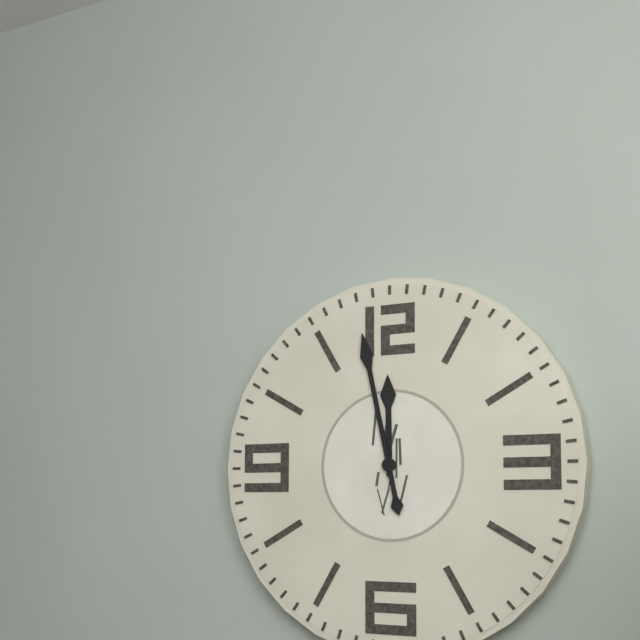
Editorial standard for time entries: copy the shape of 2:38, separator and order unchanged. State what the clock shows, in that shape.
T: 11:58
